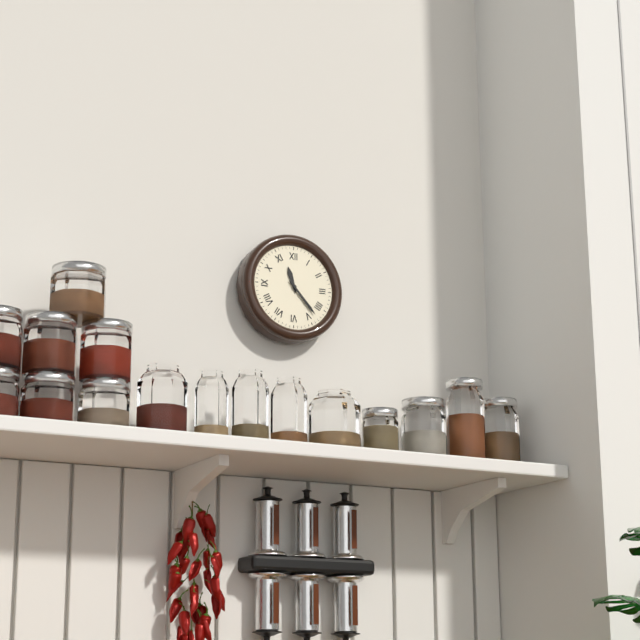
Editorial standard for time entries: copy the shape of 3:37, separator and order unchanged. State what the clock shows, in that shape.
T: 11:23
